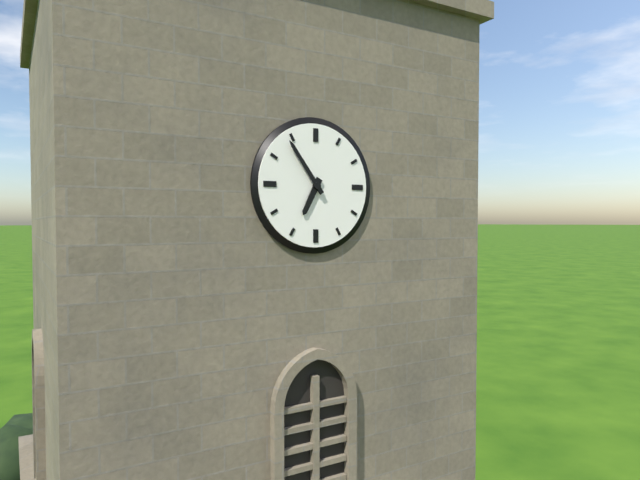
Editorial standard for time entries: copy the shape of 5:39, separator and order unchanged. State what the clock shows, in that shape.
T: 6:54
